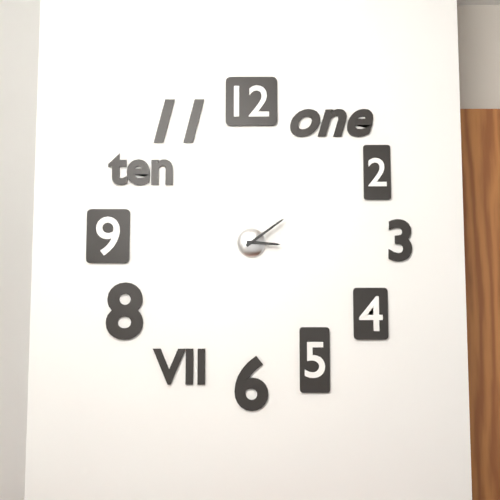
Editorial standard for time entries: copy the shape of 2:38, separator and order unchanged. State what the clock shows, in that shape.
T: 3:09
